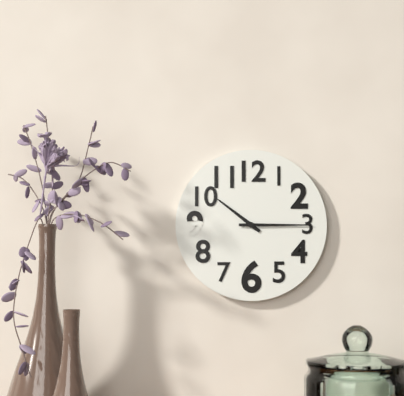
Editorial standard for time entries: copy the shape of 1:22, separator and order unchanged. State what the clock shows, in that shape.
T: 10:15
